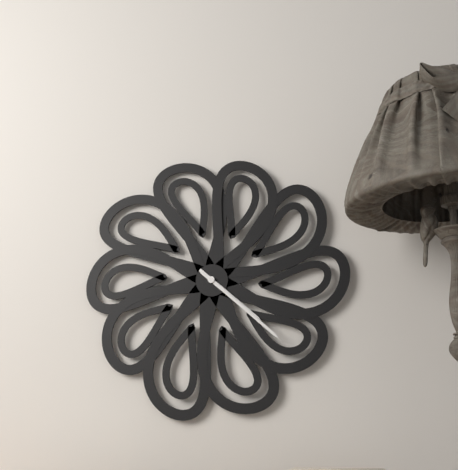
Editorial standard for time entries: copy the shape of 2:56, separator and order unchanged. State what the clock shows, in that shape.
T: 4:22
